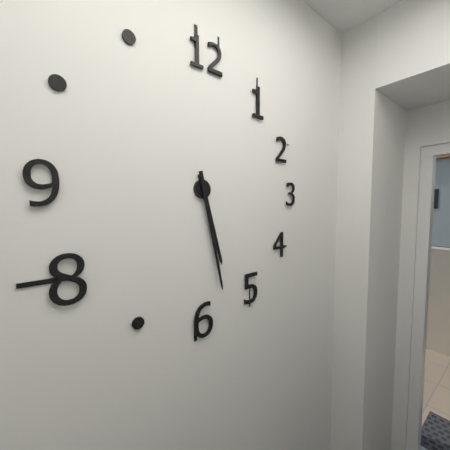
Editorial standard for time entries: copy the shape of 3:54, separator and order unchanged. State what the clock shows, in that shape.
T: 5:28
